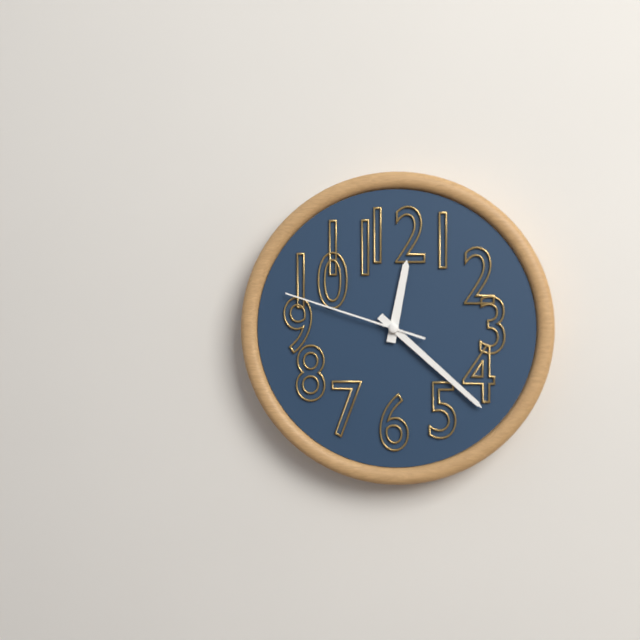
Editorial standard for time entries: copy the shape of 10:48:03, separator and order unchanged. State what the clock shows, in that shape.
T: 12:22:48
